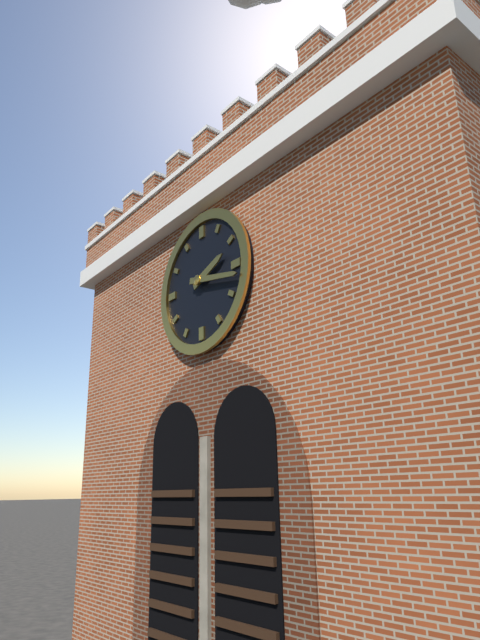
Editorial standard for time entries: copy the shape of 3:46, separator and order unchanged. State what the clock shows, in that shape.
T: 2:17
